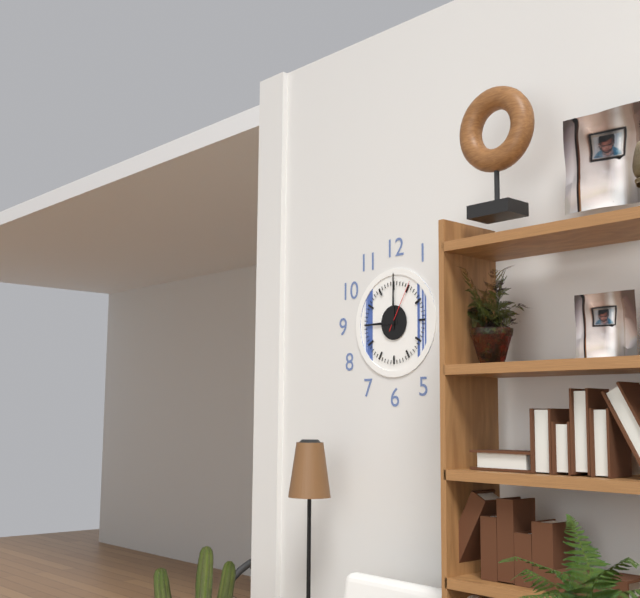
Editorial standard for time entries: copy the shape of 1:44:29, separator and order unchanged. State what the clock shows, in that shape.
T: 9:00:05
